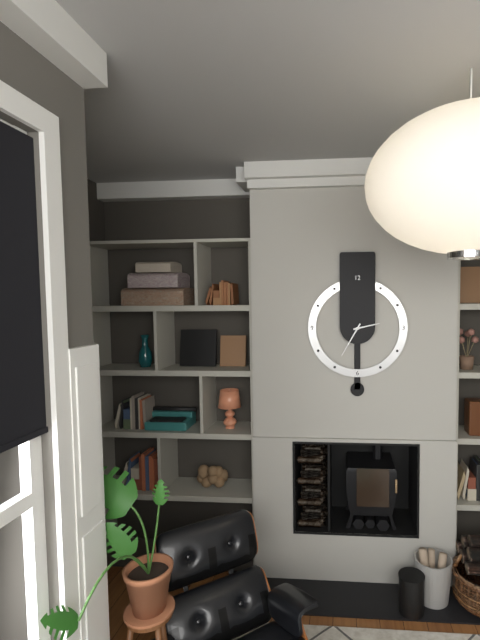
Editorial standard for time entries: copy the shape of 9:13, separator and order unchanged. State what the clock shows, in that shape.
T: 2:35
